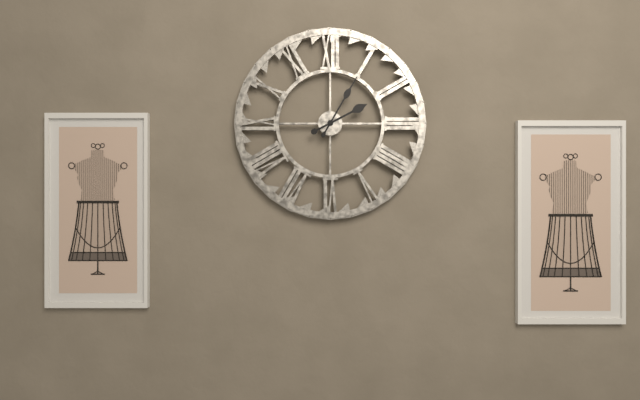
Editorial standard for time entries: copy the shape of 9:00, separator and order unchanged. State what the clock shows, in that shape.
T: 2:05
